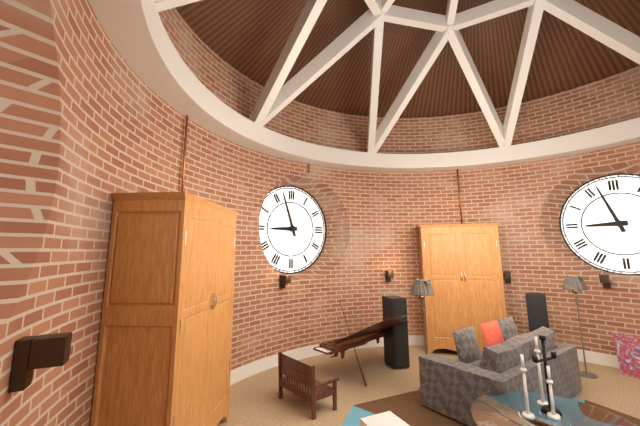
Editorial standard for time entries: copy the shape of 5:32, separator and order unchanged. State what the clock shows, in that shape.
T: 8:57
